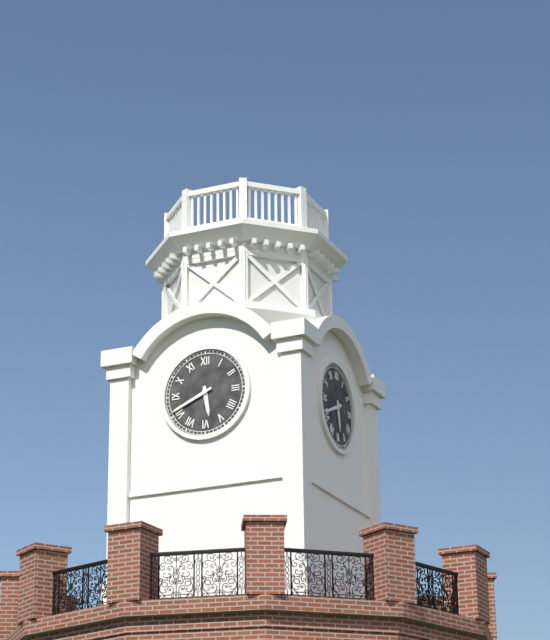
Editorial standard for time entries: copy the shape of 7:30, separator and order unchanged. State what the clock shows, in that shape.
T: 5:41
